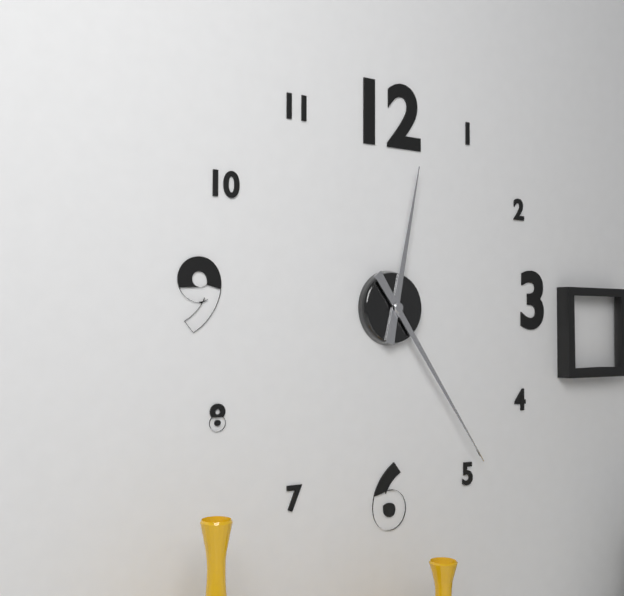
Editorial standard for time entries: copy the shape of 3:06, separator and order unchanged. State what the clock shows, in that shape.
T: 12:24
